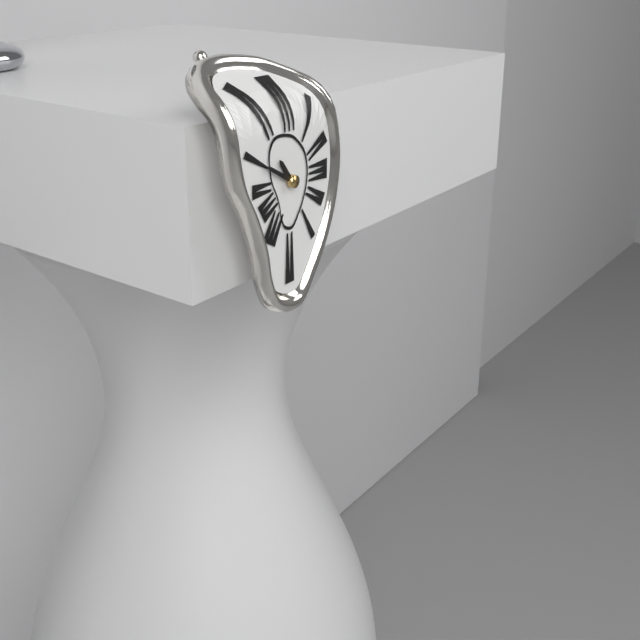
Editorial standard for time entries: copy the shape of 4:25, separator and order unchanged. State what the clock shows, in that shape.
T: 10:50
